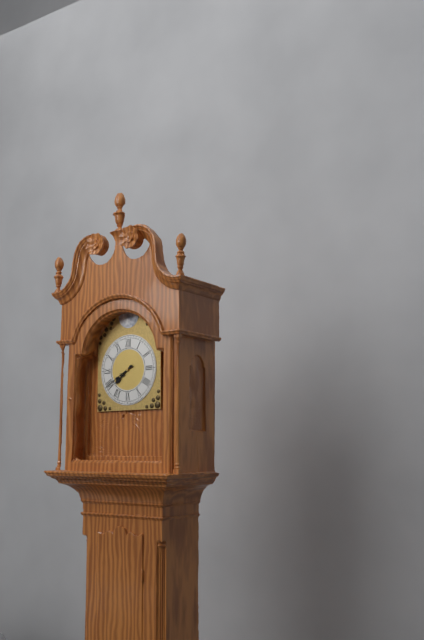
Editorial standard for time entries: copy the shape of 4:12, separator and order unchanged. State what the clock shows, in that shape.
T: 7:40
